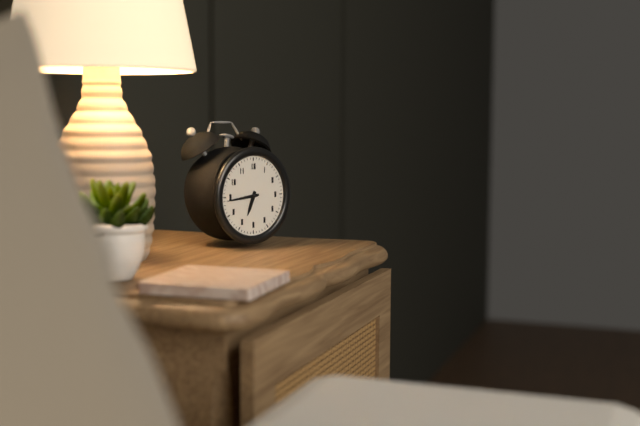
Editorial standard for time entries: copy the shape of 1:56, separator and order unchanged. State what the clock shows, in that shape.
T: 6:44
